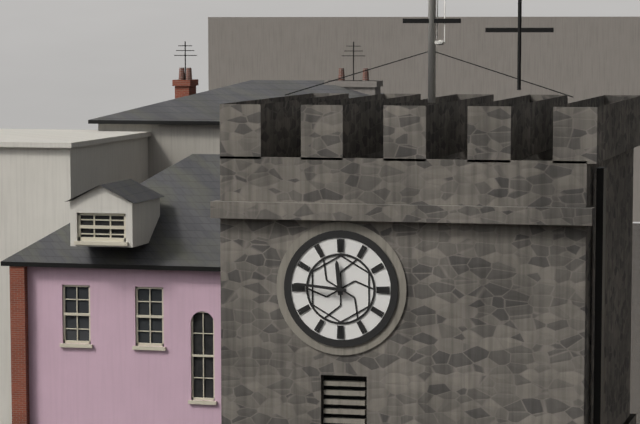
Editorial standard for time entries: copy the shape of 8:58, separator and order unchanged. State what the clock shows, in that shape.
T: 11:46
